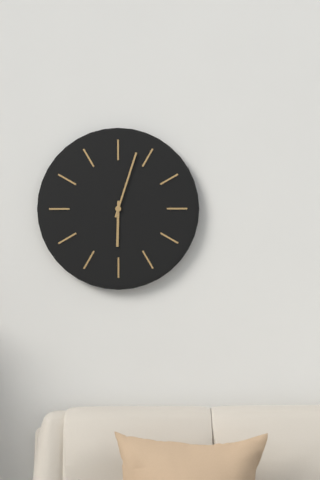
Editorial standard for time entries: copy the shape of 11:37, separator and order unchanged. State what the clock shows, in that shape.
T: 6:03
